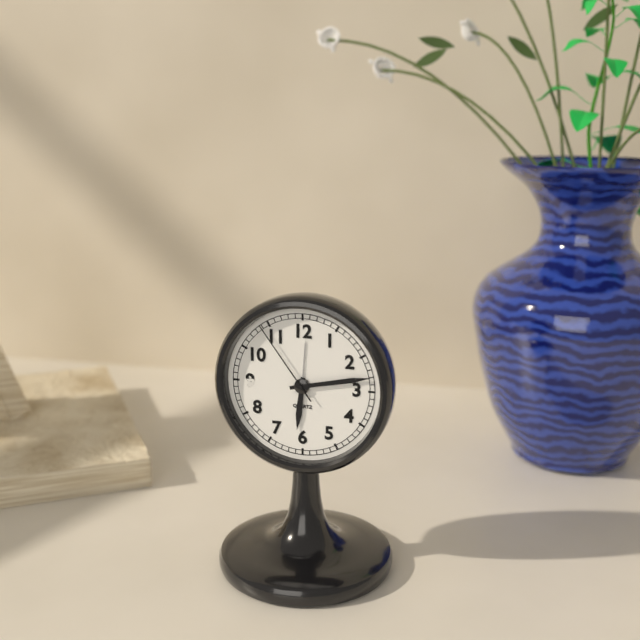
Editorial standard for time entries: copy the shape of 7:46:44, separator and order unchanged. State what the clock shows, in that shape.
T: 6:13:54
